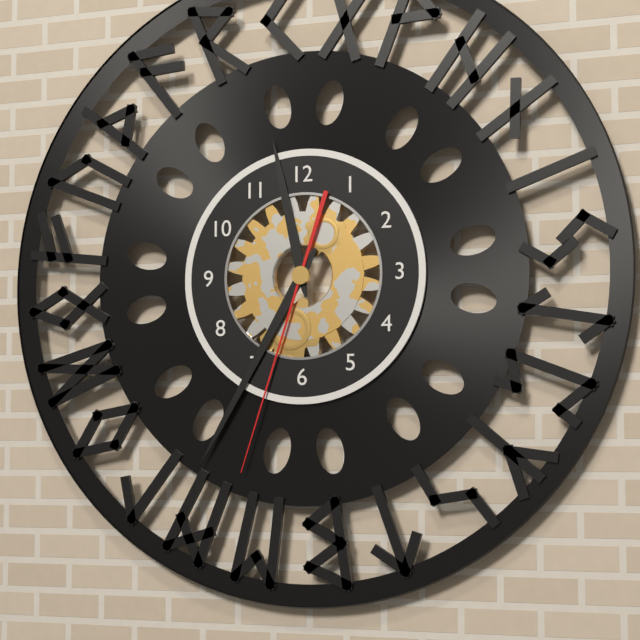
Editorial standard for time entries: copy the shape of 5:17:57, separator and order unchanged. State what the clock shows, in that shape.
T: 11:35:33
